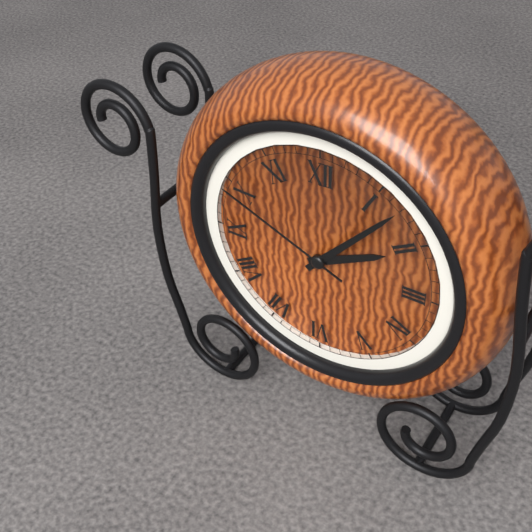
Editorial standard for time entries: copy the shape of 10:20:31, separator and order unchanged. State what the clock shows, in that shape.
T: 2:07:49
